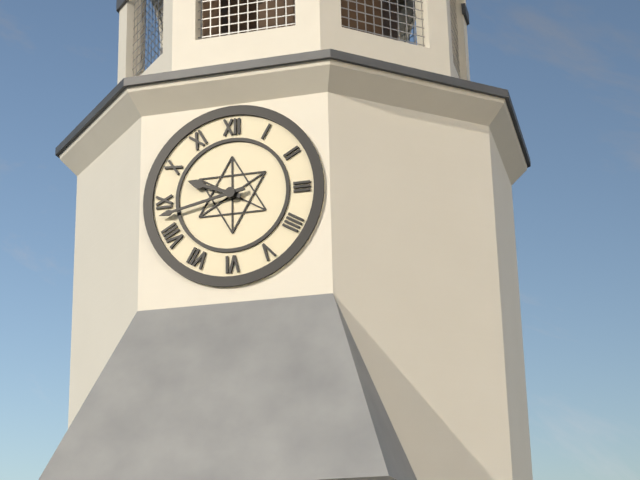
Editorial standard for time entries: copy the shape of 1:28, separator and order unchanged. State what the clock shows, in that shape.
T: 9:43
